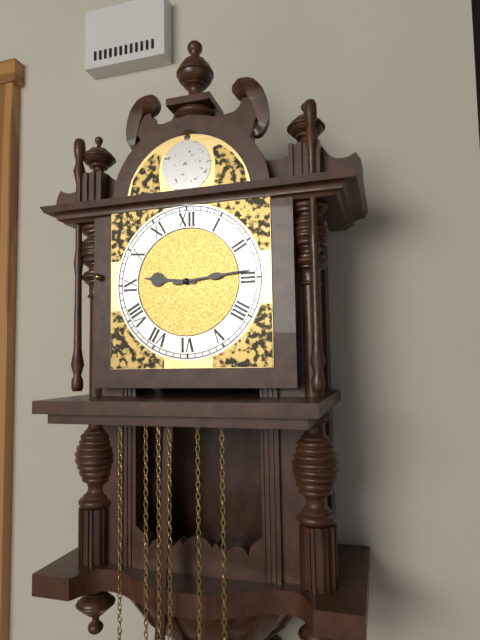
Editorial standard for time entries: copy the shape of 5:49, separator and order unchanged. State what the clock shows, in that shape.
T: 9:14
